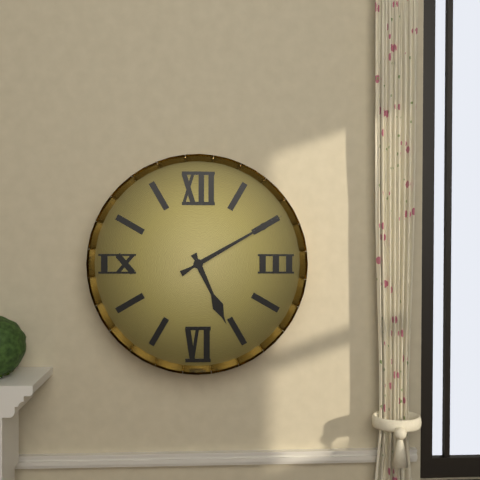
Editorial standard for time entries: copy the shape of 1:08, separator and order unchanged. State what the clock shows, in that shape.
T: 5:10
